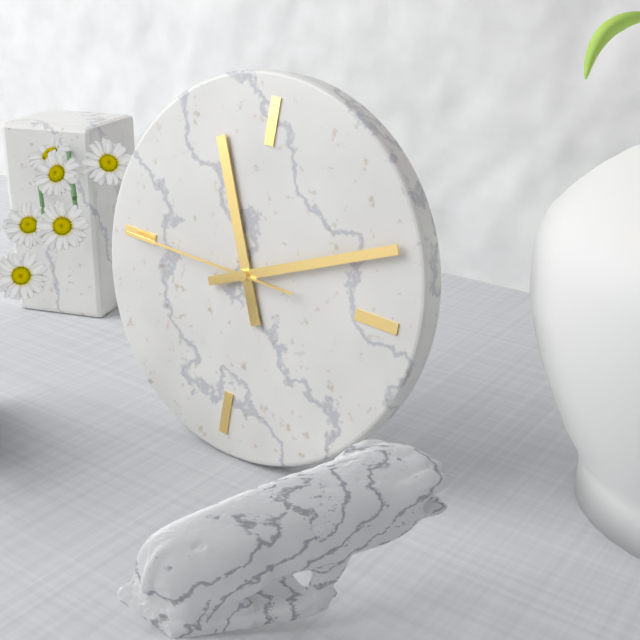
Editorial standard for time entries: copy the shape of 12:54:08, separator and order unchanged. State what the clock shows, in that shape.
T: 11:11:45
